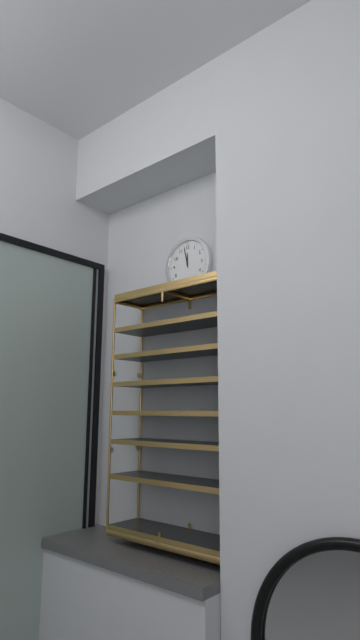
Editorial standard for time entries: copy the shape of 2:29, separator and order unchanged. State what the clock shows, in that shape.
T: 11:58
